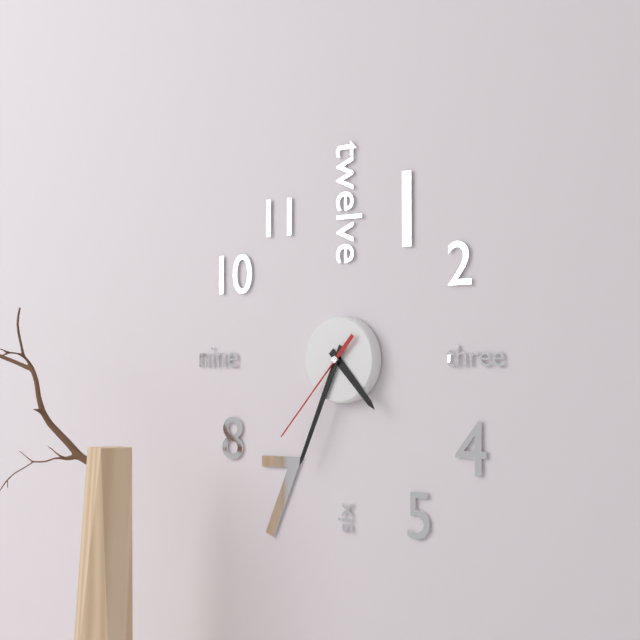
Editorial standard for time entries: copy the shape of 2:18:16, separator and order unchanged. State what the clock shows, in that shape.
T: 4:34:37
